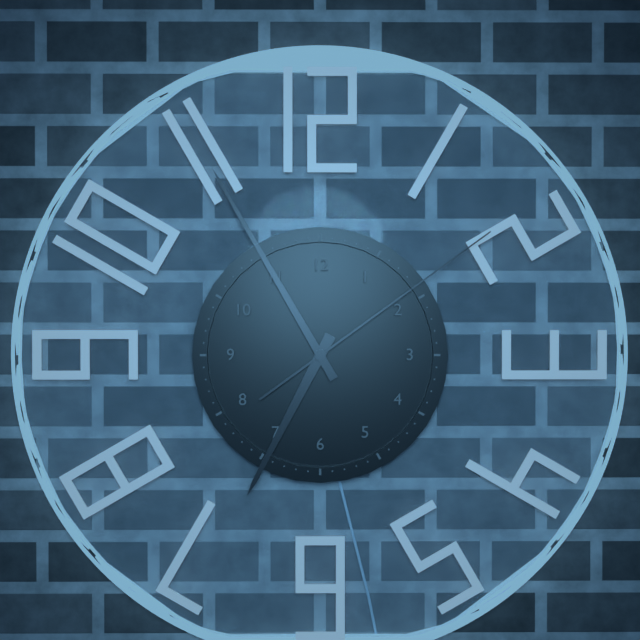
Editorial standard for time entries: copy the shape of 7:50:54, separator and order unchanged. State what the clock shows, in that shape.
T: 6:55:09
